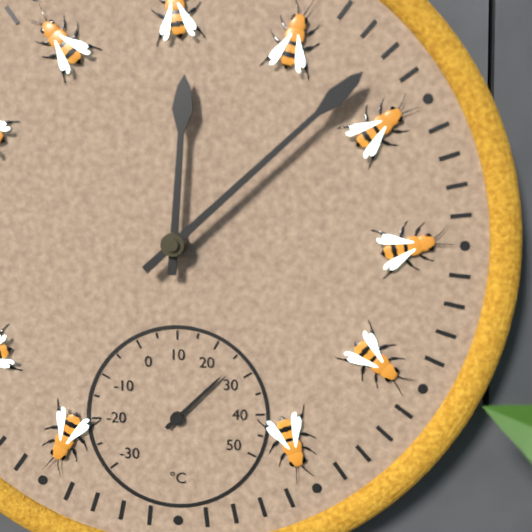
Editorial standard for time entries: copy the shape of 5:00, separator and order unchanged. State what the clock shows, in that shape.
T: 12:08
